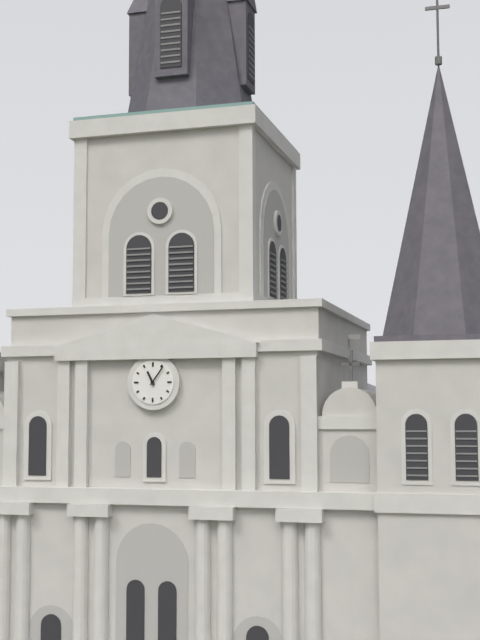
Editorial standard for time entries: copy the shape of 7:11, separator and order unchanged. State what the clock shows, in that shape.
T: 11:06
